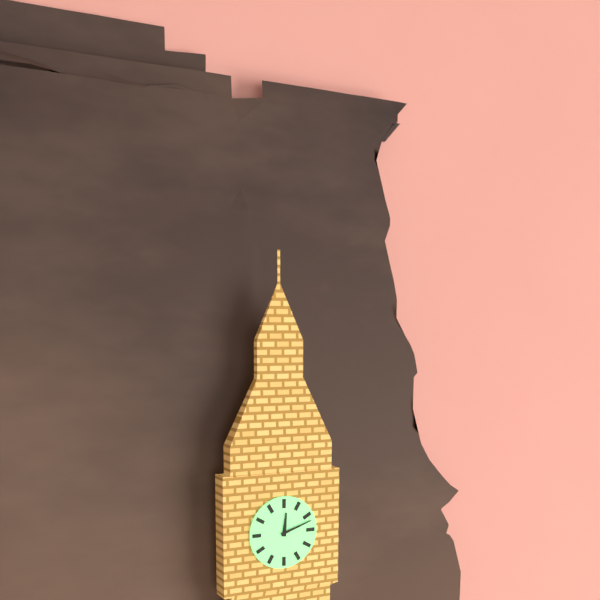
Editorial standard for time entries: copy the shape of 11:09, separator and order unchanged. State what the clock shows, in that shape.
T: 12:12
